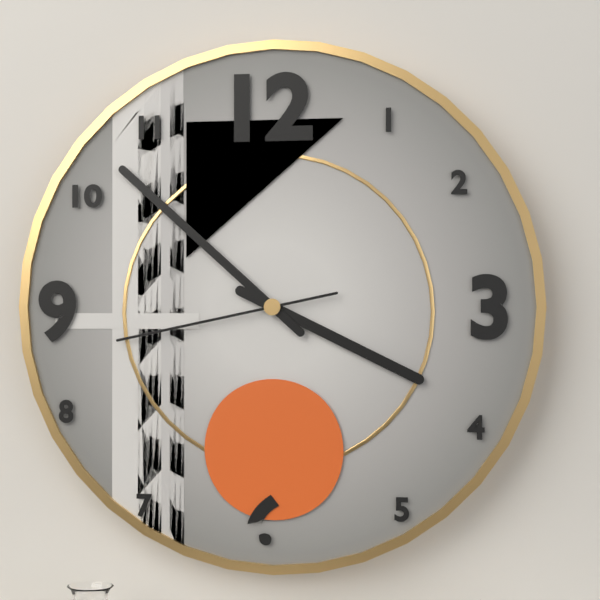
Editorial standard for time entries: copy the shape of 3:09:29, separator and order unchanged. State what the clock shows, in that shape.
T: 3:52:43
